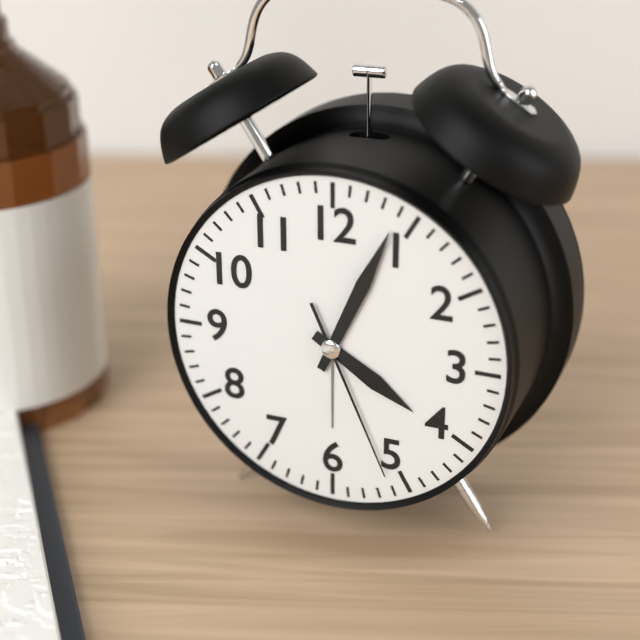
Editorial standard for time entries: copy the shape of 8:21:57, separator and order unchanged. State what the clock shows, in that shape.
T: 4:04:26
